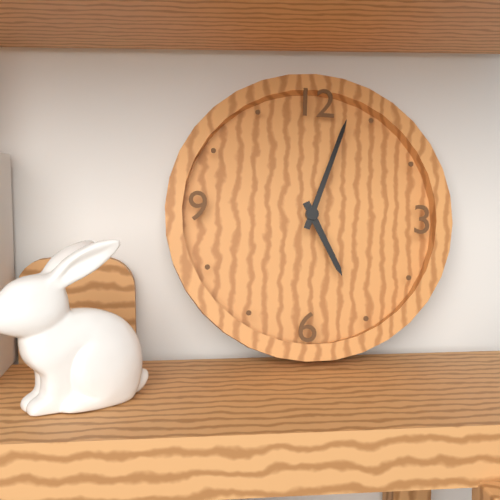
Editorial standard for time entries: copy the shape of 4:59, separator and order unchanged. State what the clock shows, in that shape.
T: 5:03
